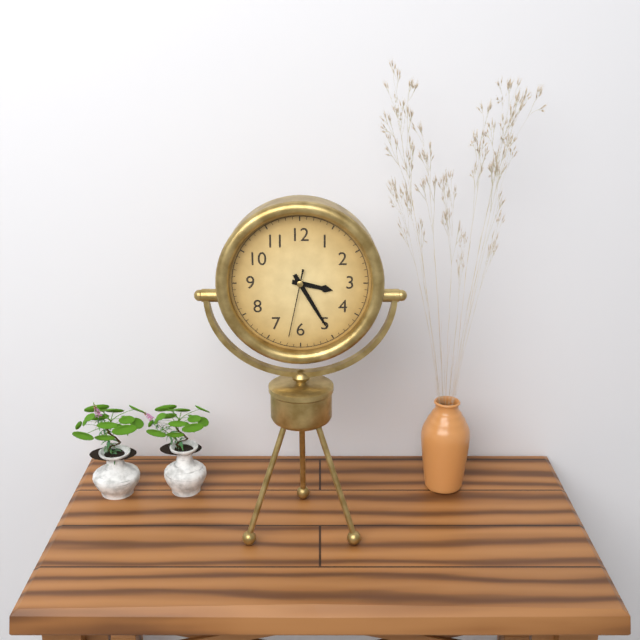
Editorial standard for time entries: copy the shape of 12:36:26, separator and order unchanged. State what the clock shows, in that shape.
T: 3:25:32
